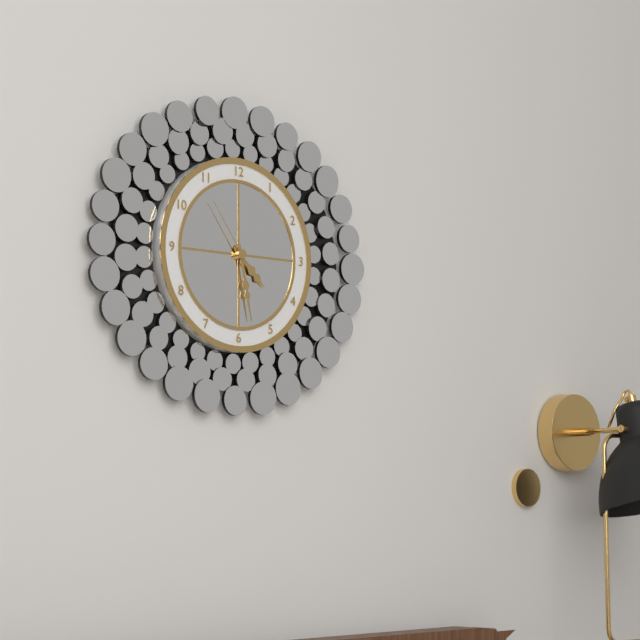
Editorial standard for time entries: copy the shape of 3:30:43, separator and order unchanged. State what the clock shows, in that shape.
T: 4:28:54
